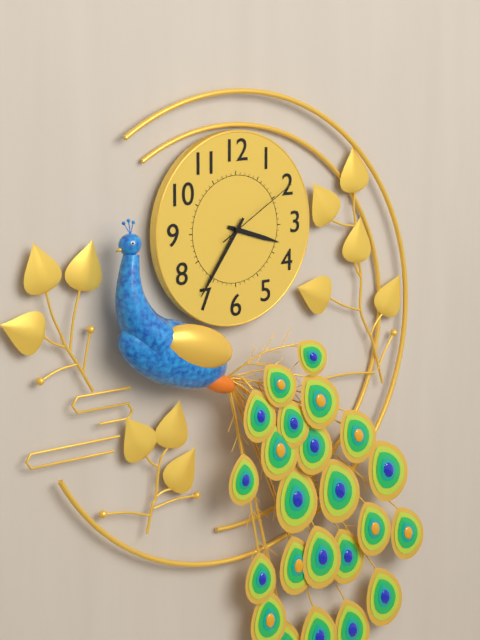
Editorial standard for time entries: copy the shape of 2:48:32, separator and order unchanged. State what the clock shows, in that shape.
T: 3:36:10
